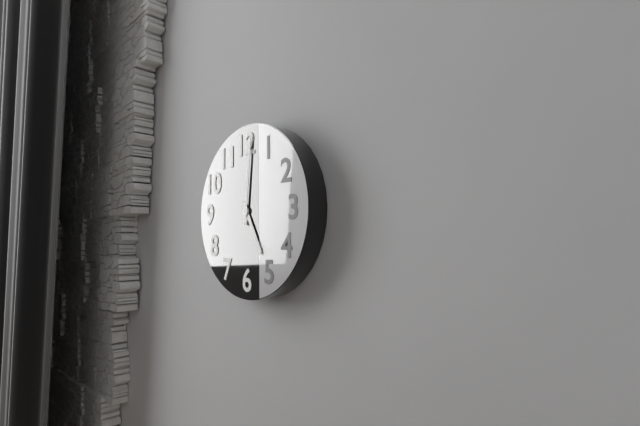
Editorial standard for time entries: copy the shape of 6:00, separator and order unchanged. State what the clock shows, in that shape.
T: 5:01
